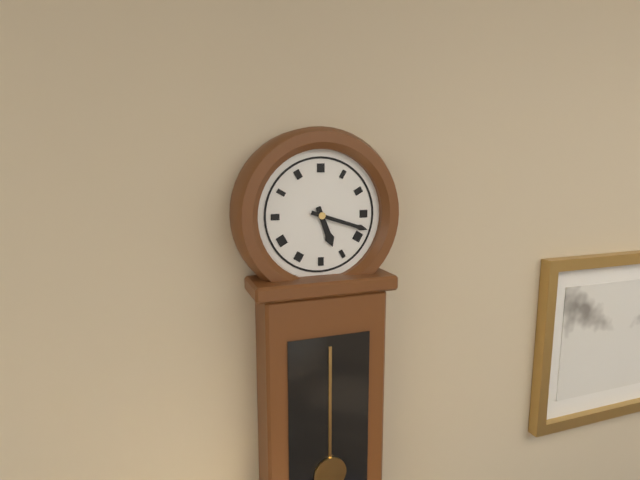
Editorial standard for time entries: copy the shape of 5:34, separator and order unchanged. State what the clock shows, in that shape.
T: 5:18
